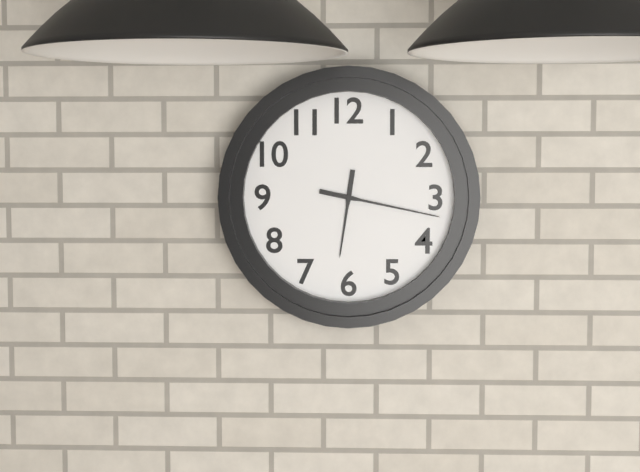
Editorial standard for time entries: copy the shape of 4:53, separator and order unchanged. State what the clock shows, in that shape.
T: 6:17
